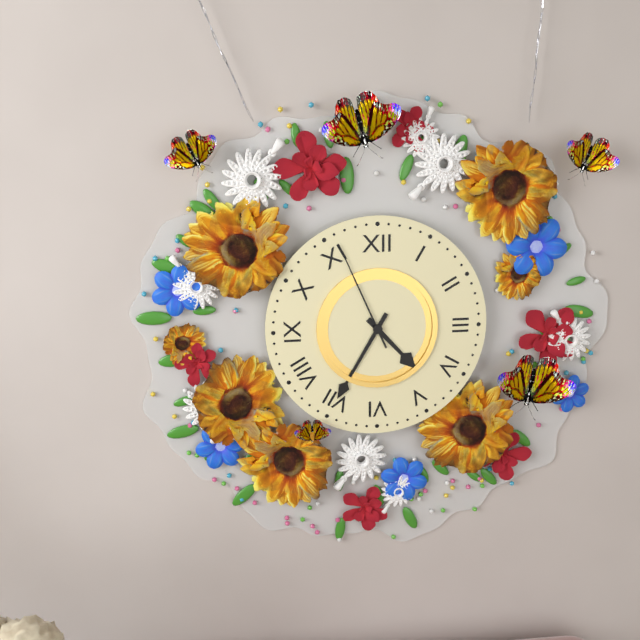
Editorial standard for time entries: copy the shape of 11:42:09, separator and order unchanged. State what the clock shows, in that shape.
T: 4:35:56
